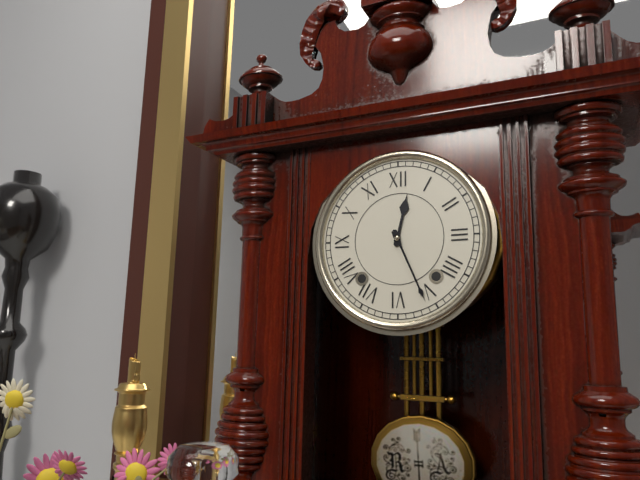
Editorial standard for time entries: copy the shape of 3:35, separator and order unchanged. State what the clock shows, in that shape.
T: 12:26
